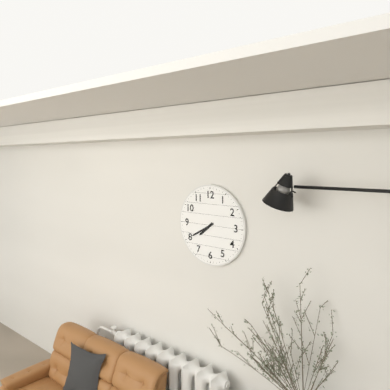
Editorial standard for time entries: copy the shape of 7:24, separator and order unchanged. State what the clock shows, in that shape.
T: 7:40
